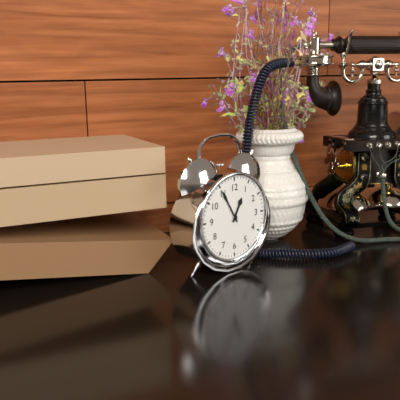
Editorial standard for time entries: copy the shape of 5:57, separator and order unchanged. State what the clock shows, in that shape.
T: 12:55
